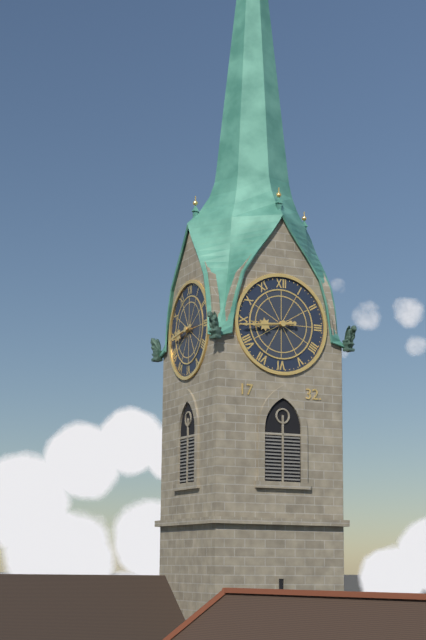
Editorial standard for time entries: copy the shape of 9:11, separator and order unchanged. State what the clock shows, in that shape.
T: 8:44
